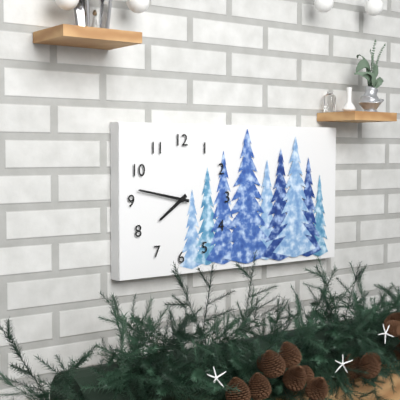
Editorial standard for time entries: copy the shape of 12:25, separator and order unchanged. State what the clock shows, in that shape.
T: 7:47
